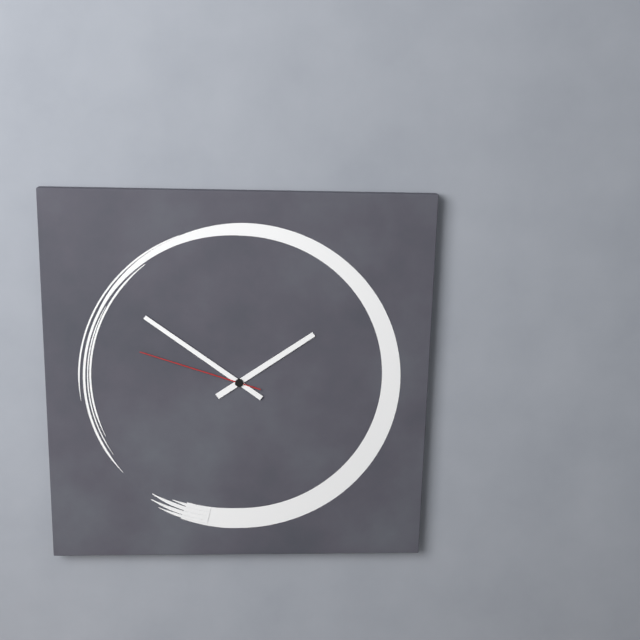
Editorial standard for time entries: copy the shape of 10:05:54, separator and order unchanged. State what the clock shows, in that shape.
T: 1:51:48
